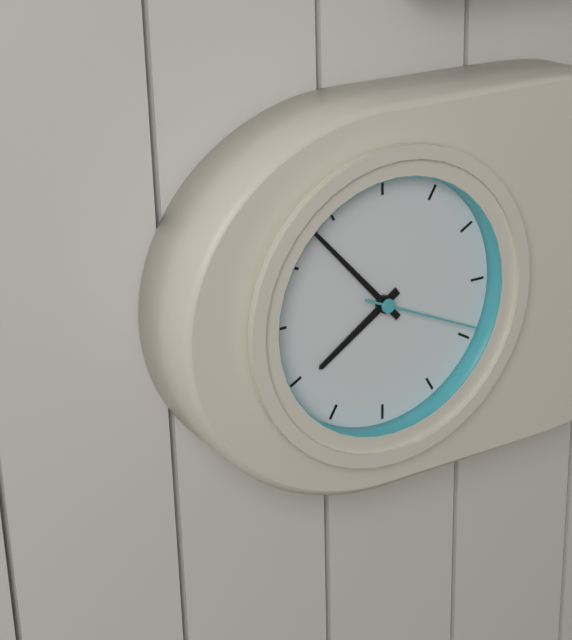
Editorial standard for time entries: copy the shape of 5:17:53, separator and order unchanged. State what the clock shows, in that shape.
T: 7:53:19
